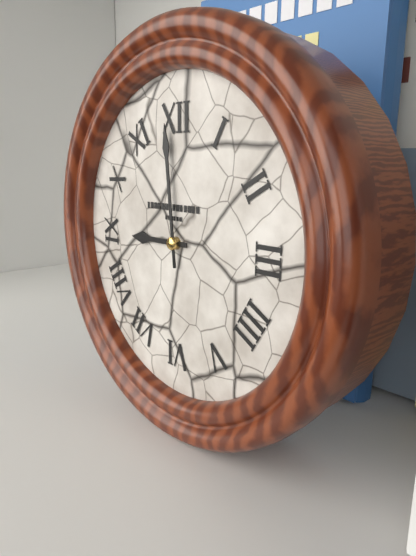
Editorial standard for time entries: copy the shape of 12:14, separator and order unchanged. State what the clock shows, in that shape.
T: 8:59
